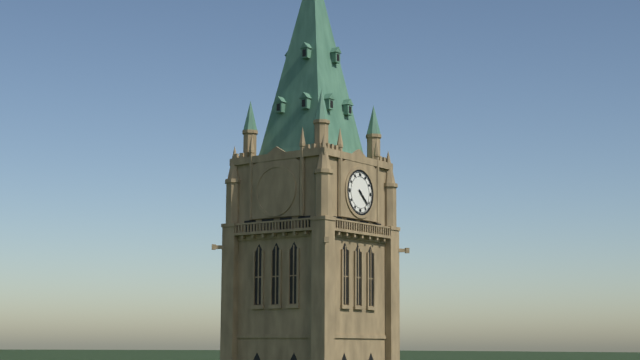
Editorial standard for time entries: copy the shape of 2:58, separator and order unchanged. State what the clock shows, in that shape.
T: 4:22
